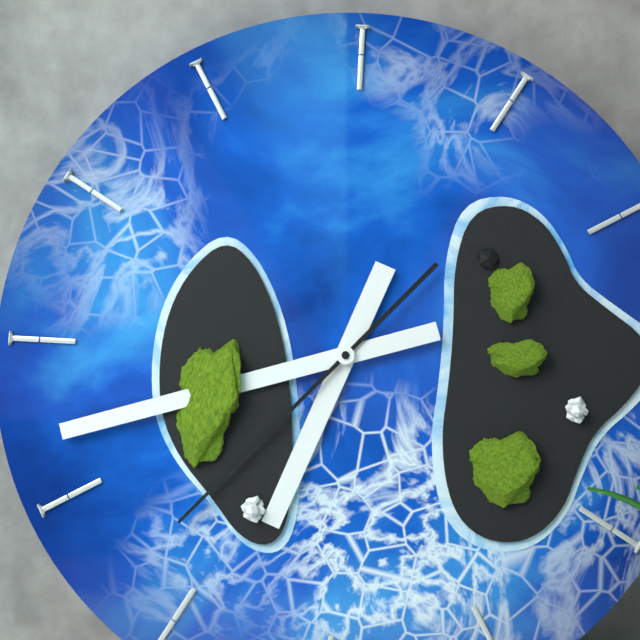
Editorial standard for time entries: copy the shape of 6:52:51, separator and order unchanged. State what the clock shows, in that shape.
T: 6:42:37
